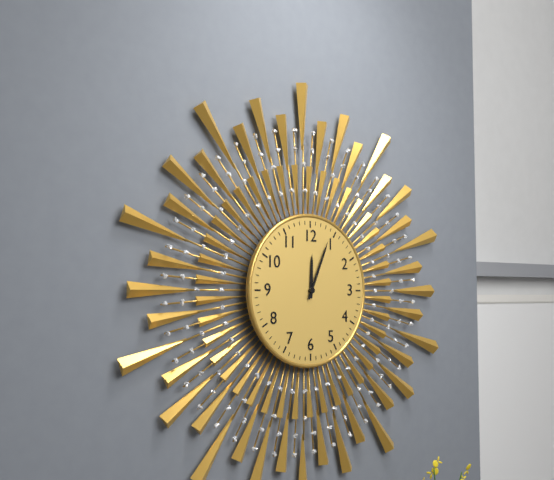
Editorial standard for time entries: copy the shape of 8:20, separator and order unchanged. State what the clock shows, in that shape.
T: 12:04
